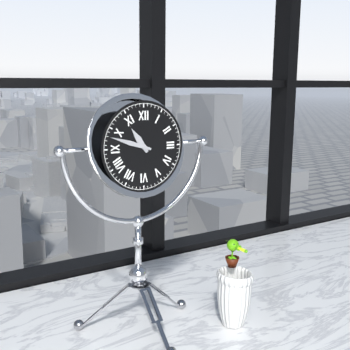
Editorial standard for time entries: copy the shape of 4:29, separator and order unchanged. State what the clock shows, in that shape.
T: 10:48
